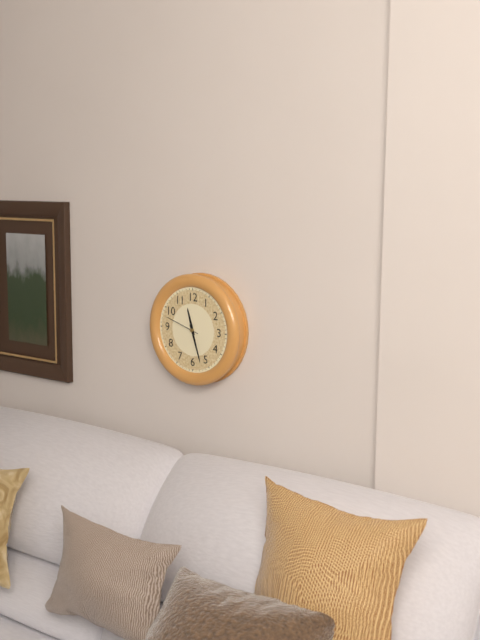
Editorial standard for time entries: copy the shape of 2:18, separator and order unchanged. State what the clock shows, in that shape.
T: 11:27
